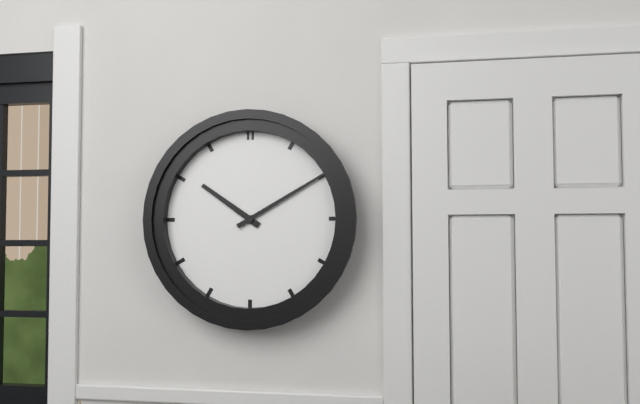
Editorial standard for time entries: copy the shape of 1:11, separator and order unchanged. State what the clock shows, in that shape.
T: 10:10
